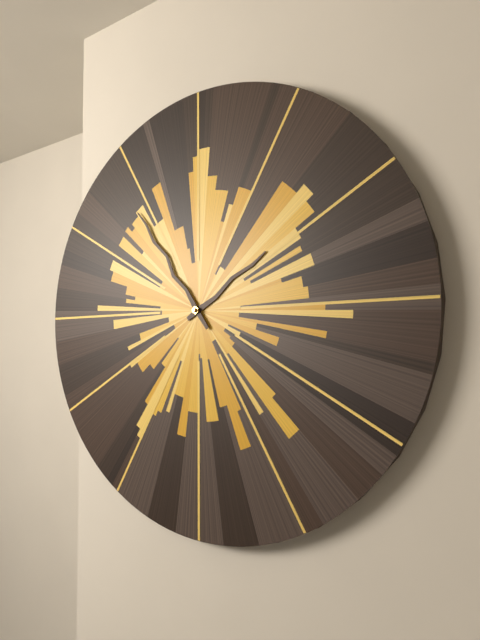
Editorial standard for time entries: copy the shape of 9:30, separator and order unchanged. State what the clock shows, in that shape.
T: 1:54
